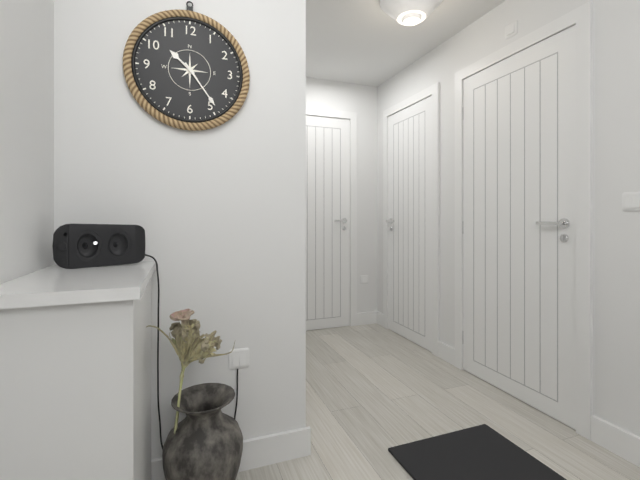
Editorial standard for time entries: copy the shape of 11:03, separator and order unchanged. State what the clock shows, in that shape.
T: 10:24
